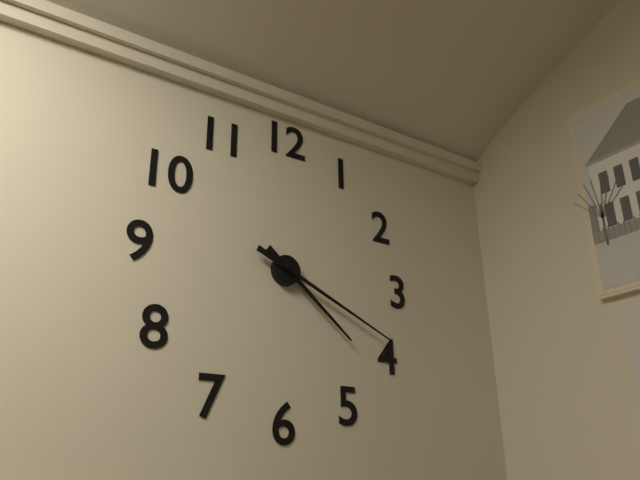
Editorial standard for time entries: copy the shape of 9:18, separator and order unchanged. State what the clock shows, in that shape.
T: 4:19
